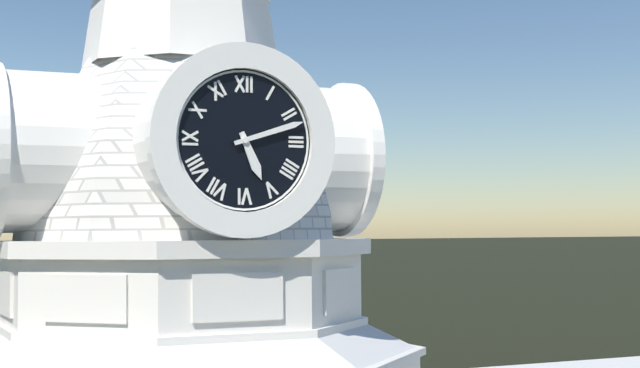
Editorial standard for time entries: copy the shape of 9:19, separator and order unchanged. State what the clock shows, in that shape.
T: 5:12
